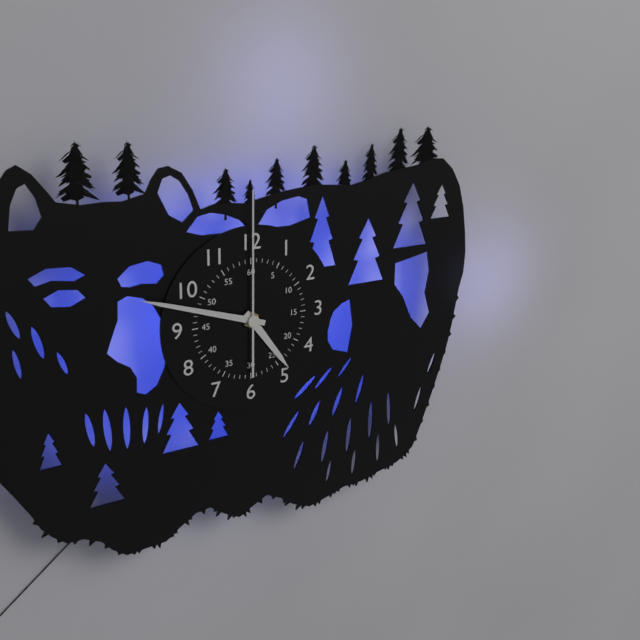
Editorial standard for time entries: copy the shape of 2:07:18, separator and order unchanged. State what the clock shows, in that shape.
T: 4:48:00
